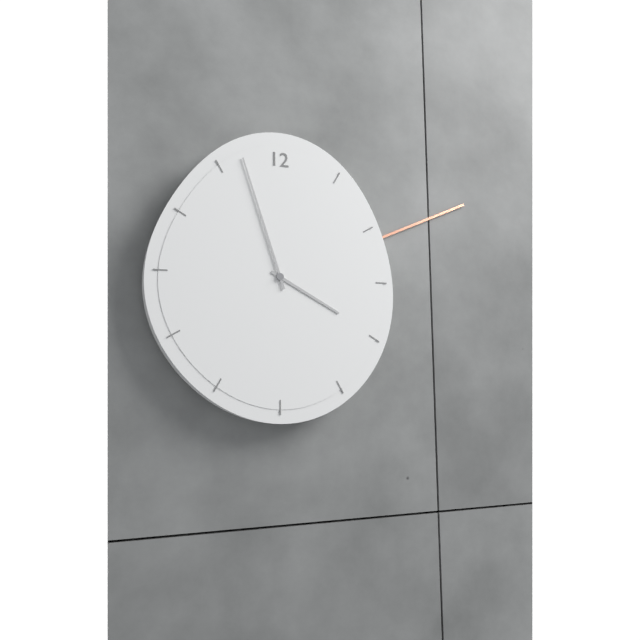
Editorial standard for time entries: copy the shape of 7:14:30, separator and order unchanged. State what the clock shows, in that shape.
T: 3:57:11
